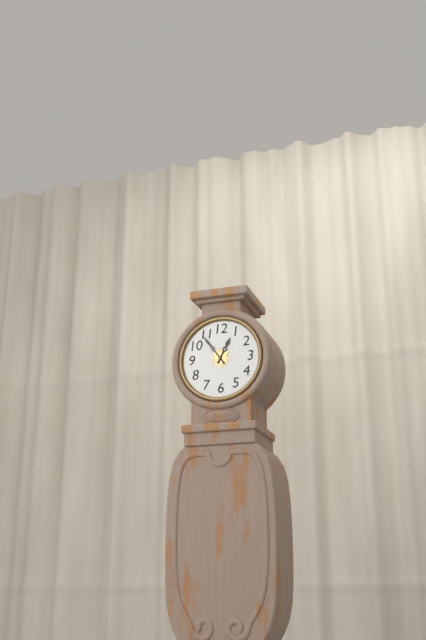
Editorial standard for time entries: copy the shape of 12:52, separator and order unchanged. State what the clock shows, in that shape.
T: 12:54
